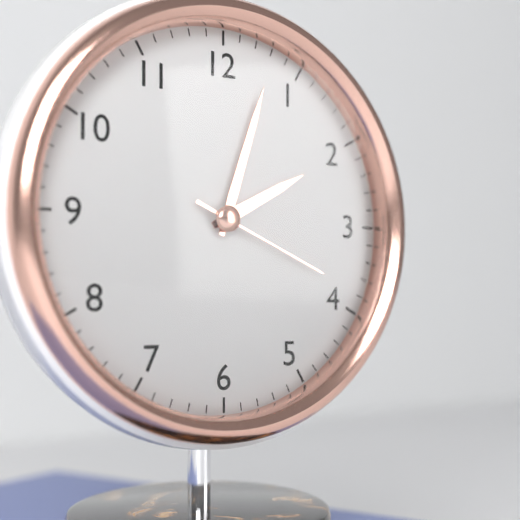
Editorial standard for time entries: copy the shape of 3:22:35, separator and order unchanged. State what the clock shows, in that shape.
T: 2:03:19
